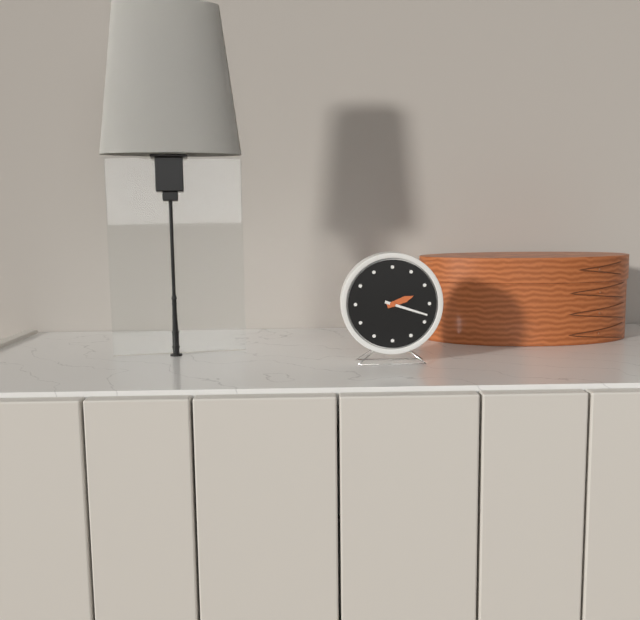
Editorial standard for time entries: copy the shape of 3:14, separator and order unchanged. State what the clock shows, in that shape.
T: 2:18
